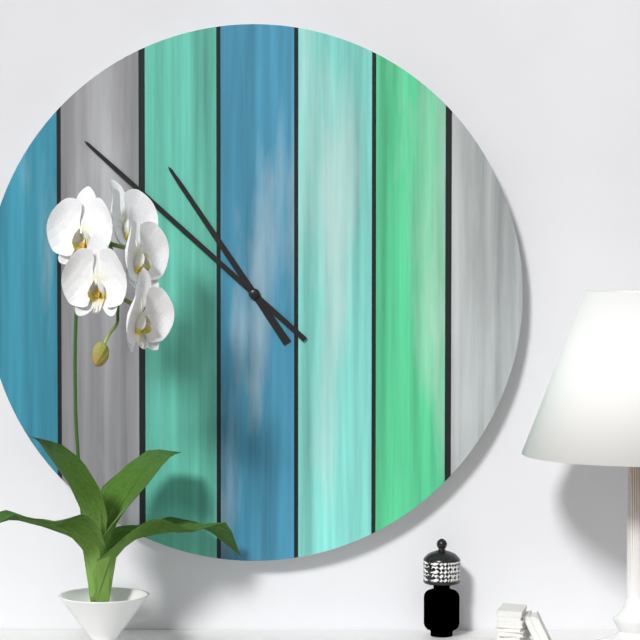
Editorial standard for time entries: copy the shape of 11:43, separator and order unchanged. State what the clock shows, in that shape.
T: 10:52
